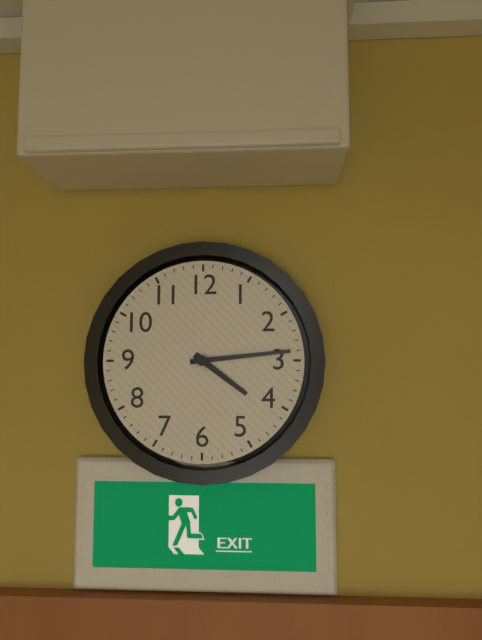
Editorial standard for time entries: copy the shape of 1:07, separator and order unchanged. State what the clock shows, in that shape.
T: 4:14
